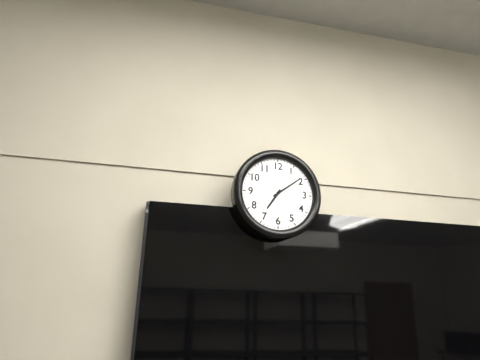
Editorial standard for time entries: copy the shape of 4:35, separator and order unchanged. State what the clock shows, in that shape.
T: 7:09
